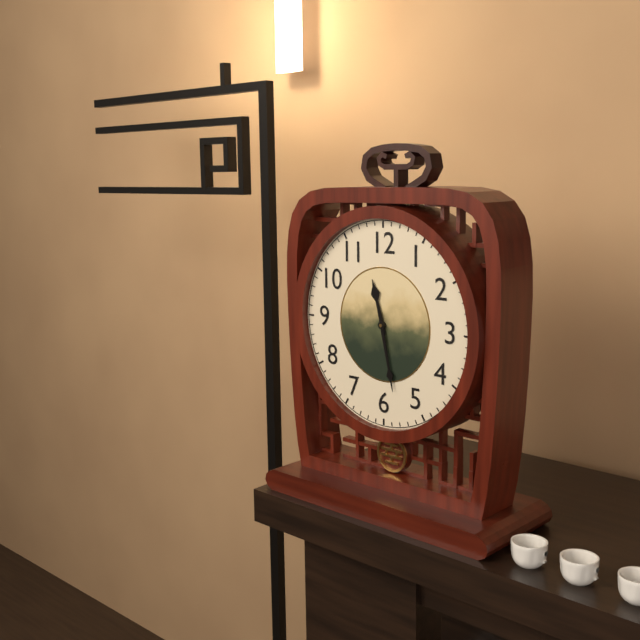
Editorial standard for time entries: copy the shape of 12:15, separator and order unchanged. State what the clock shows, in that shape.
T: 11:28
